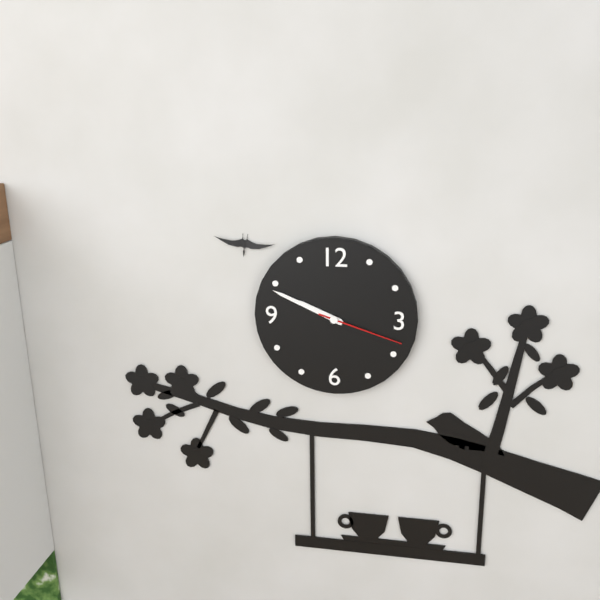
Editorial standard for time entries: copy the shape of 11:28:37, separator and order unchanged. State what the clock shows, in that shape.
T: 9:49:18
